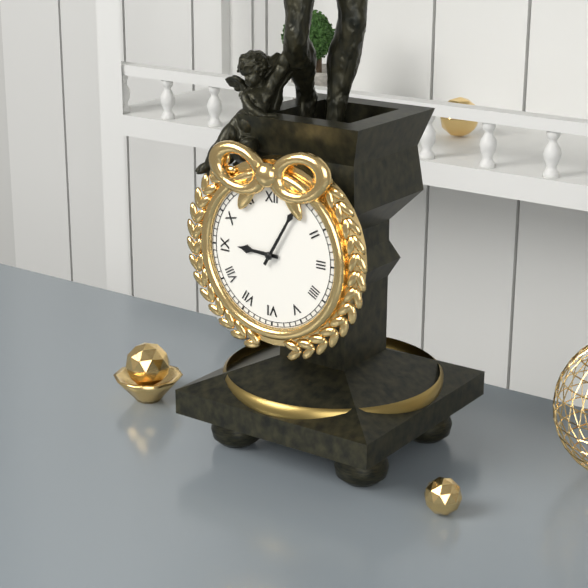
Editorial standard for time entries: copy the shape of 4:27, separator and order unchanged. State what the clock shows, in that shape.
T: 9:05
